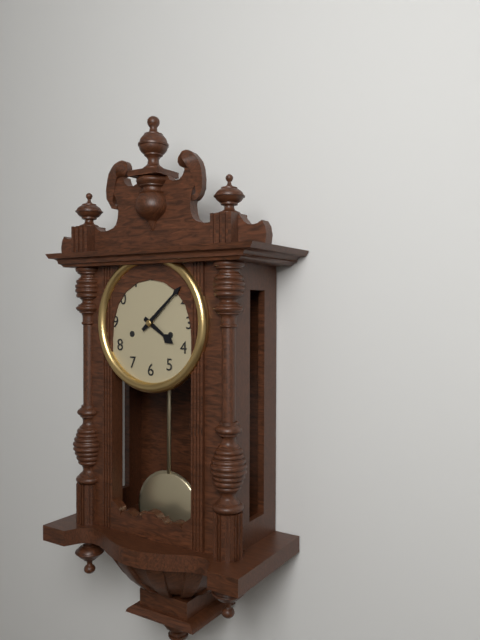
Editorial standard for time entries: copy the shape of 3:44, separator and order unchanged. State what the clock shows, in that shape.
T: 4:08
